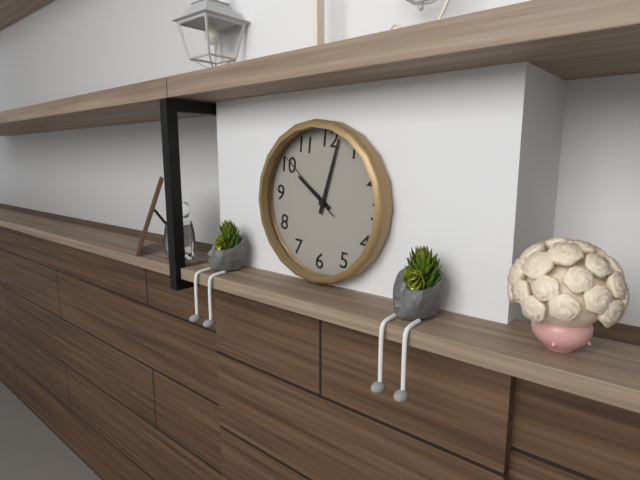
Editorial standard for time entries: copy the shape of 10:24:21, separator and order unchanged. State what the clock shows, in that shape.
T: 10:02:51
